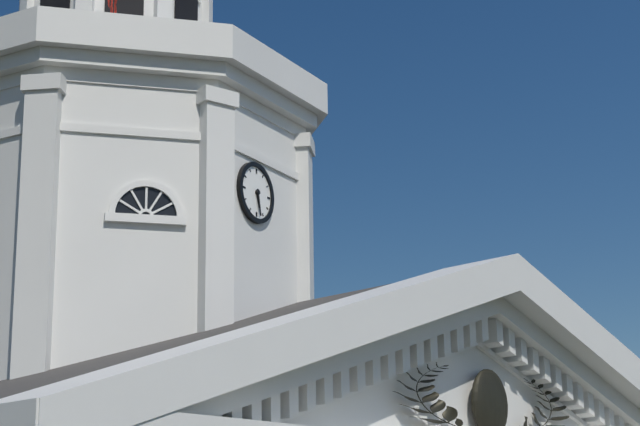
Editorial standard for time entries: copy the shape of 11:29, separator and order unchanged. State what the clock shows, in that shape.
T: 5:28
